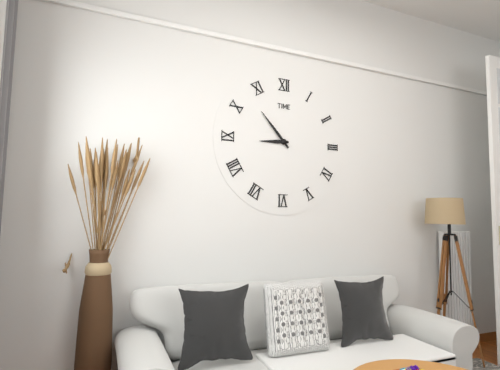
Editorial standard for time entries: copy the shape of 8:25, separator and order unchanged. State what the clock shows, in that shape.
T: 8:53
